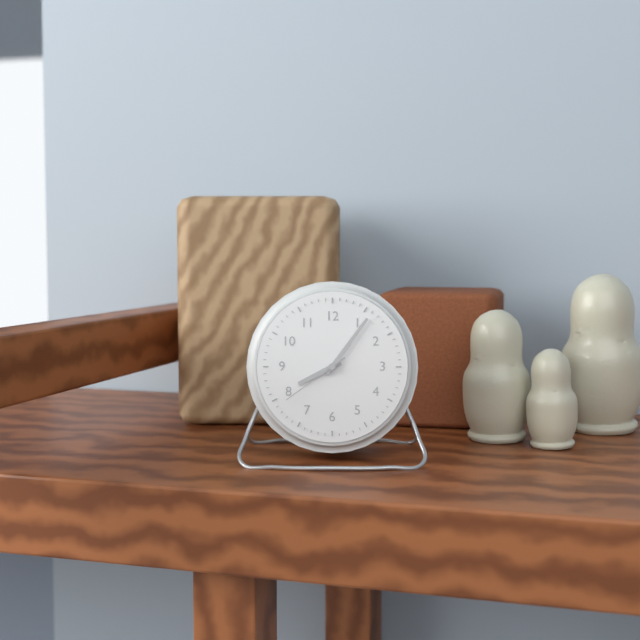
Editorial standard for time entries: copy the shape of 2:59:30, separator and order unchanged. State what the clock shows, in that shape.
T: 8:06:39
